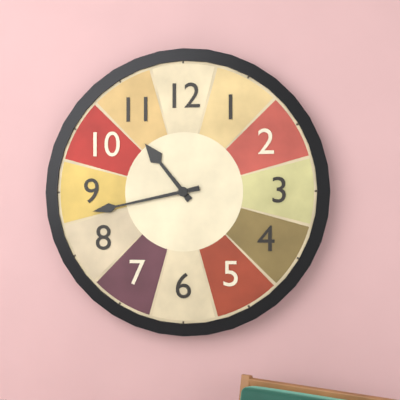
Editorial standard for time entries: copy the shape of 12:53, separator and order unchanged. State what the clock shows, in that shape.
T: 10:43
